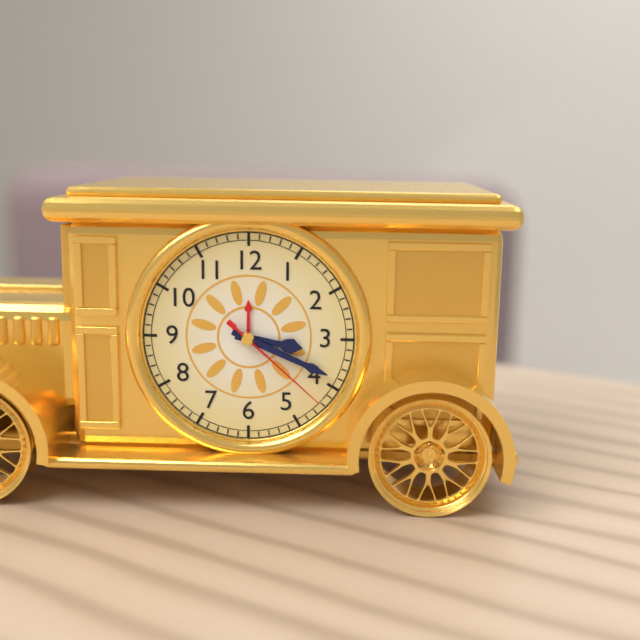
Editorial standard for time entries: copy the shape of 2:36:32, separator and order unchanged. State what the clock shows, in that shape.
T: 3:19:22
